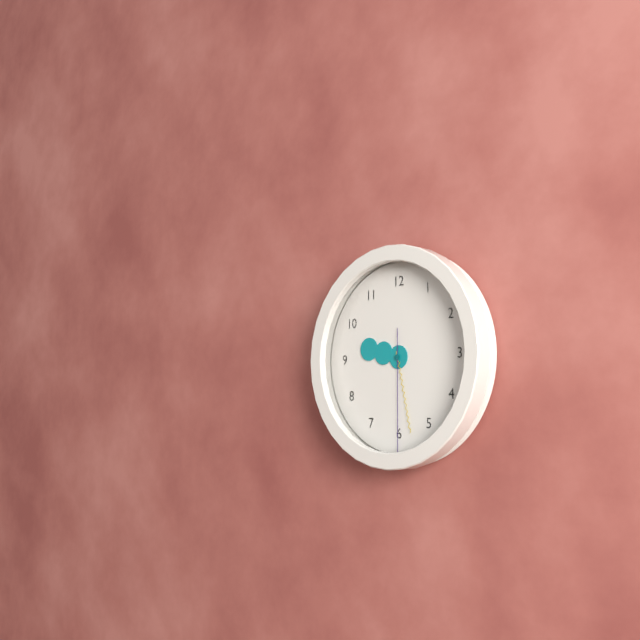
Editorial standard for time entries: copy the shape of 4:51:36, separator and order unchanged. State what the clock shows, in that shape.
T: 9:28:30
